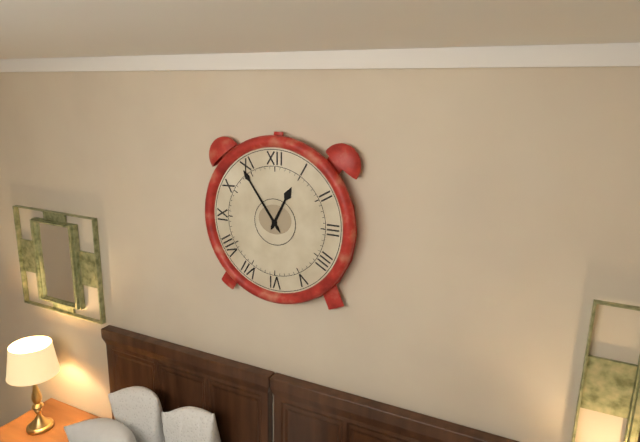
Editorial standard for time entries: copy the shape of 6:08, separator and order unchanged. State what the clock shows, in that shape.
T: 12:54
